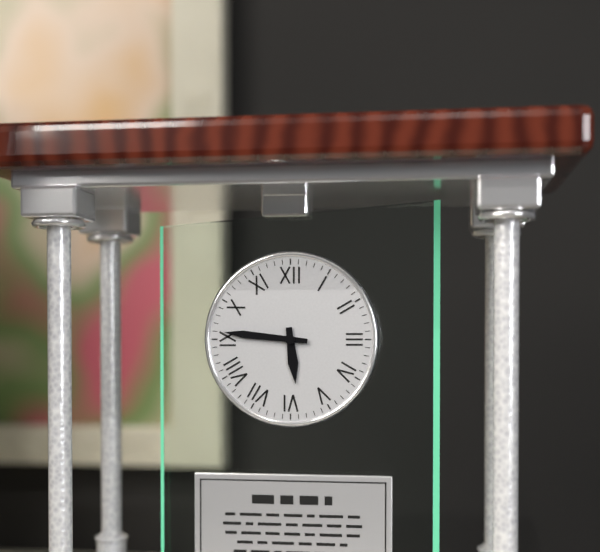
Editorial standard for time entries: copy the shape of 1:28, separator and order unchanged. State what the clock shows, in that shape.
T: 5:46
